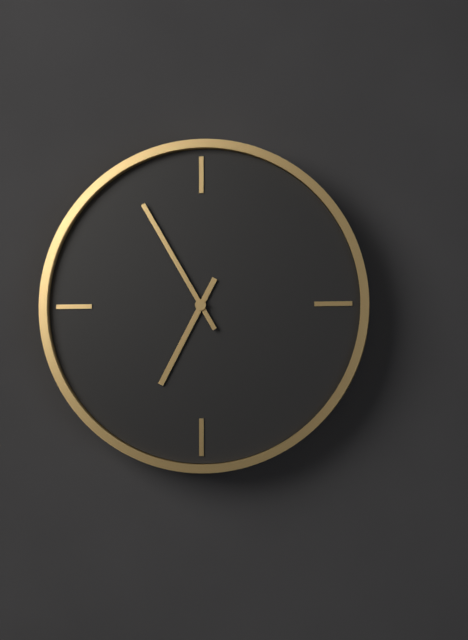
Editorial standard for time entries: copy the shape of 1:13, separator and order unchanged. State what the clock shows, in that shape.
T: 6:55
